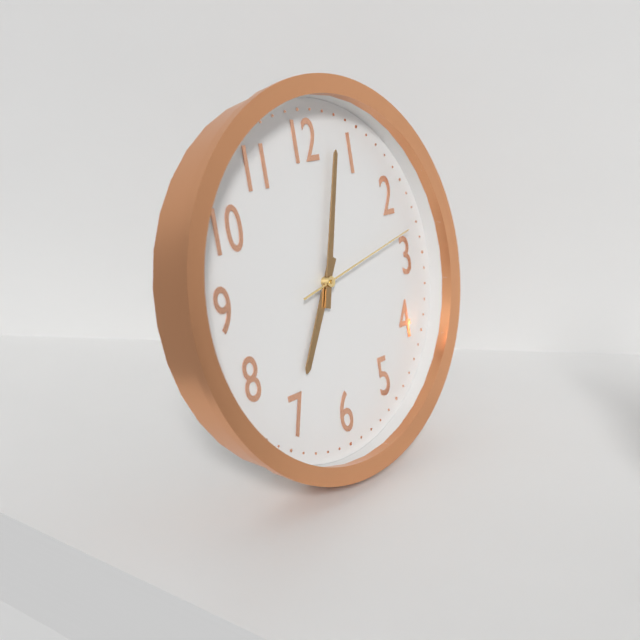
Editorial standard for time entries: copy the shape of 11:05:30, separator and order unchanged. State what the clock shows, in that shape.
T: 7:03:13
